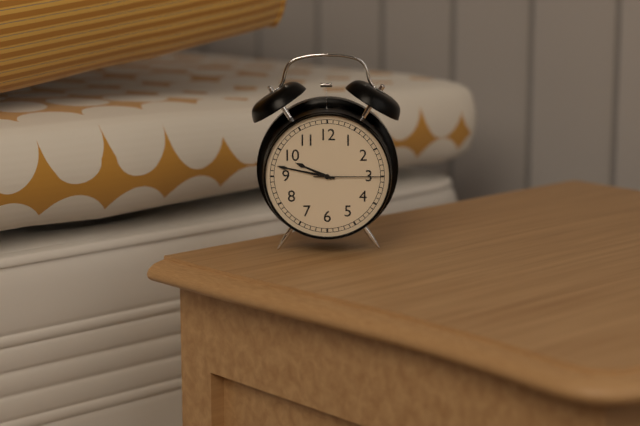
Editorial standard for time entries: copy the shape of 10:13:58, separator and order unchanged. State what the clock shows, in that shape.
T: 9:47:15
